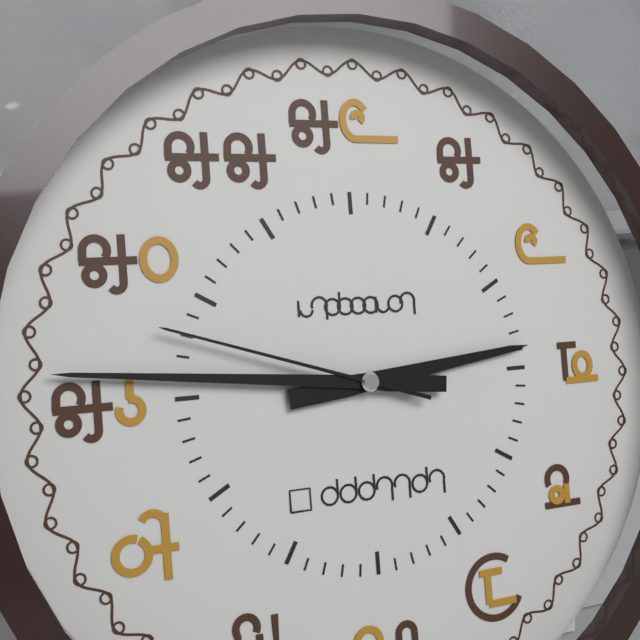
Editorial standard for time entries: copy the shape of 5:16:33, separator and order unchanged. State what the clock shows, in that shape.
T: 2:46:48
